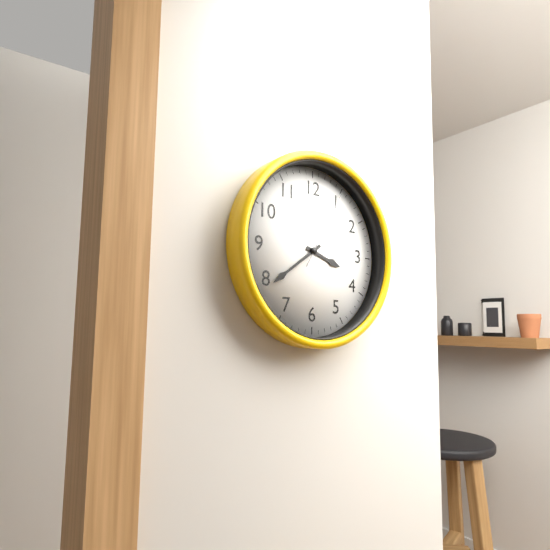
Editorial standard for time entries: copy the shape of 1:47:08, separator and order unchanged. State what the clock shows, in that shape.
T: 3:39:05
